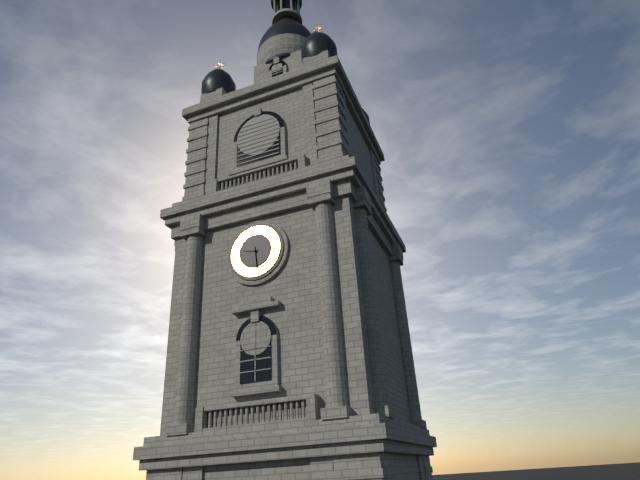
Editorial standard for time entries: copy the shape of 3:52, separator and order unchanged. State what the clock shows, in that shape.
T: 9:29
